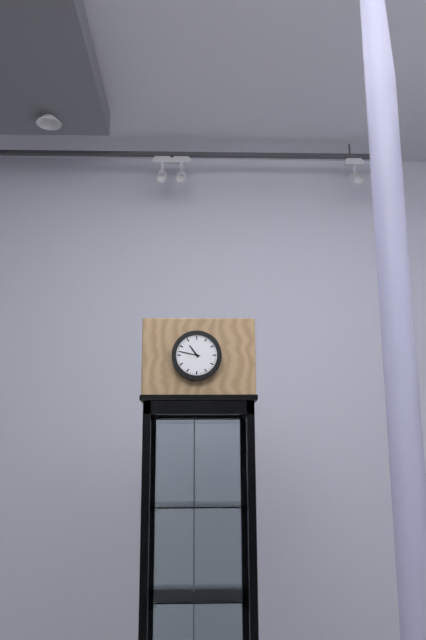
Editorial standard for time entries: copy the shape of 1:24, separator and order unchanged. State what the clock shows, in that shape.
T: 10:47
